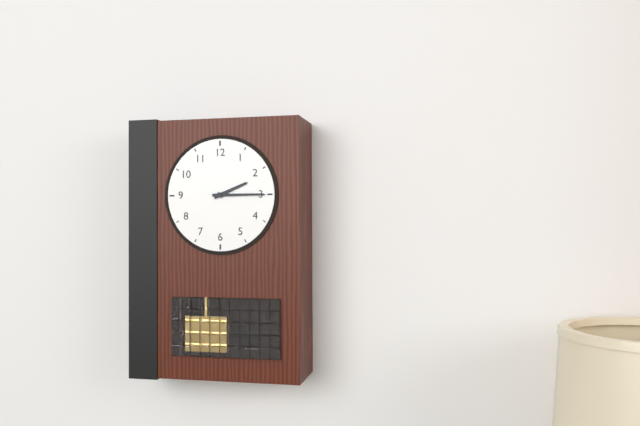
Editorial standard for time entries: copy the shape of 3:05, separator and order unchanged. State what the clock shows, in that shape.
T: 2:15
